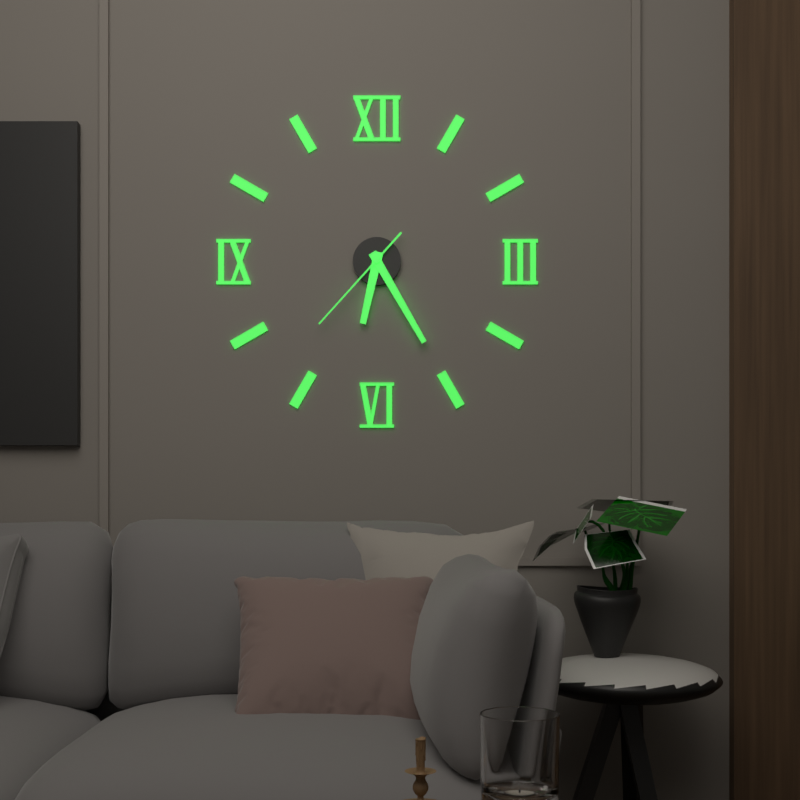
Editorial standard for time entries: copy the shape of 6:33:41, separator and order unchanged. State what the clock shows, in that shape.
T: 6:25:37
